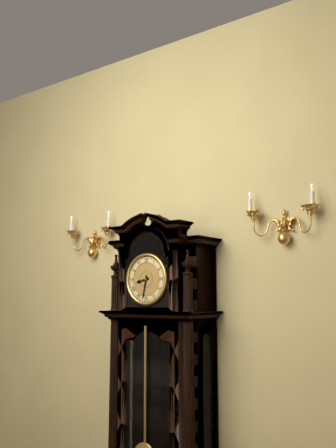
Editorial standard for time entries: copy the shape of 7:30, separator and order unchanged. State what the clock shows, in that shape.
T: 8:32
